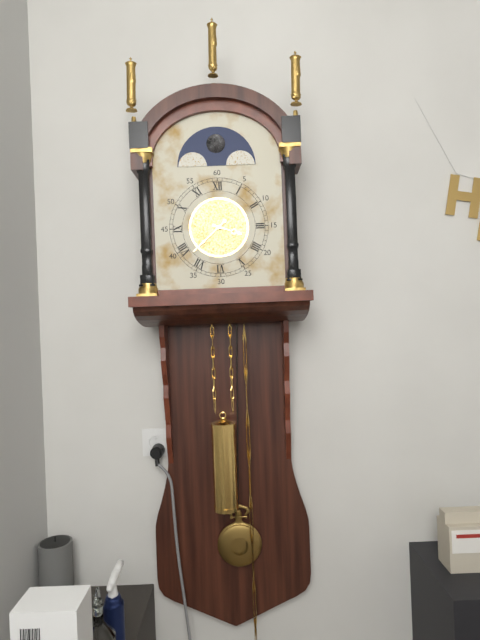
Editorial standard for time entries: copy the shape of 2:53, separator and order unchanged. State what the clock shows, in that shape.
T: 3:38
